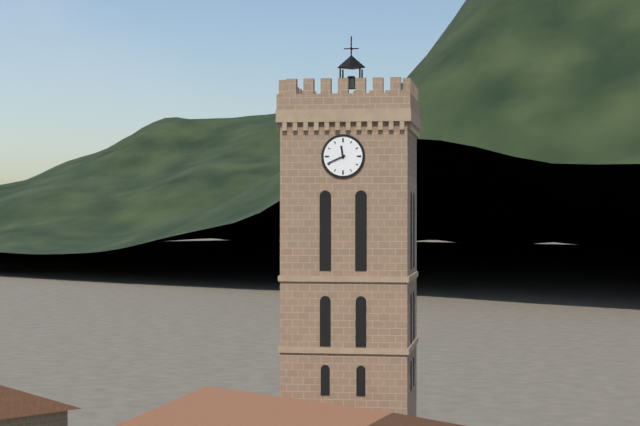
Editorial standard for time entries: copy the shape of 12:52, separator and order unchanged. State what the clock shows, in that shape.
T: 11:41
